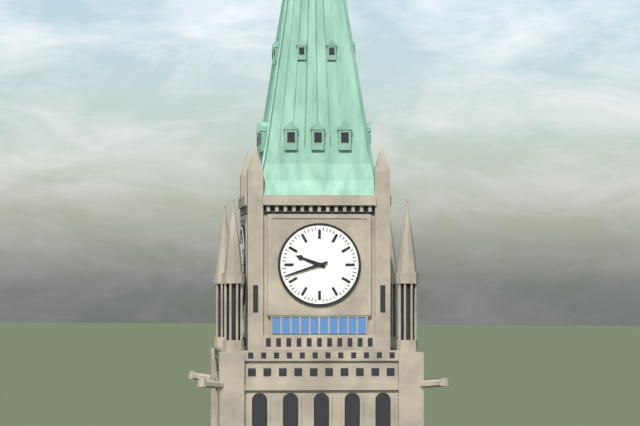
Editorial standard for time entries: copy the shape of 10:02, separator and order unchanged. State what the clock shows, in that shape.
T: 9:42
